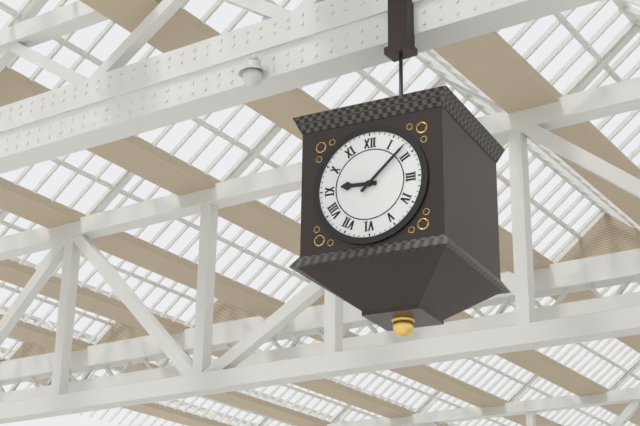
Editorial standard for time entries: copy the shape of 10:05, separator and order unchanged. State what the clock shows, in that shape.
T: 9:08
